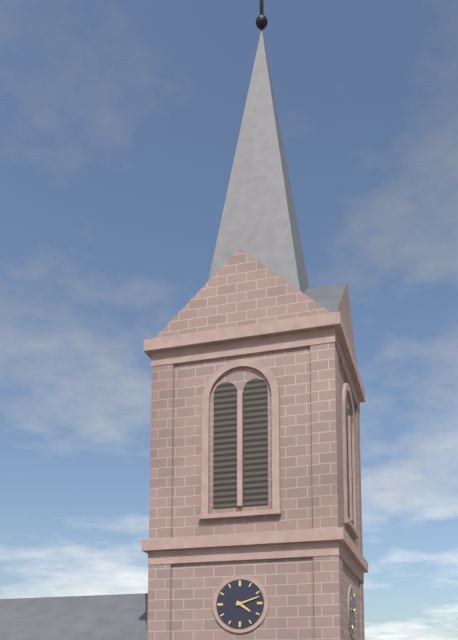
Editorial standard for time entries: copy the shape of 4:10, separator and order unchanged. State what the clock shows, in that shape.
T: 4:12
